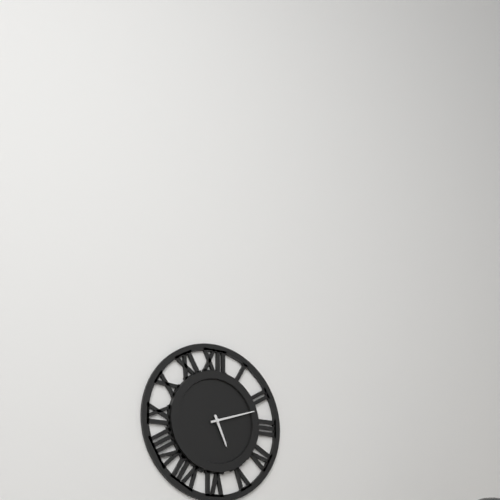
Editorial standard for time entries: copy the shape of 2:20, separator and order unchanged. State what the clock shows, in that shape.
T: 5:12
